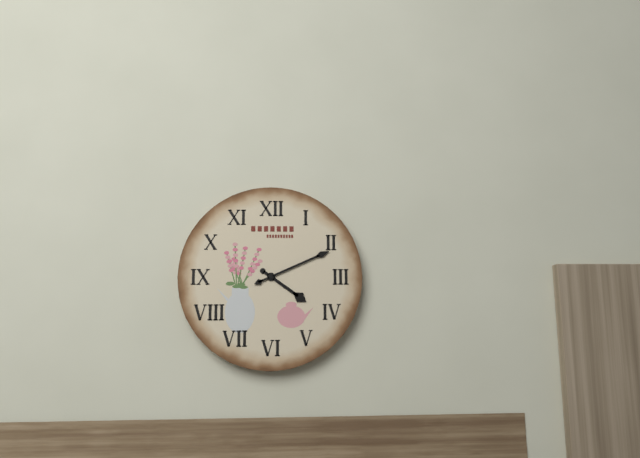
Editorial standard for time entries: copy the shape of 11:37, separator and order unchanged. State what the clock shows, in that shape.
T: 4:11
